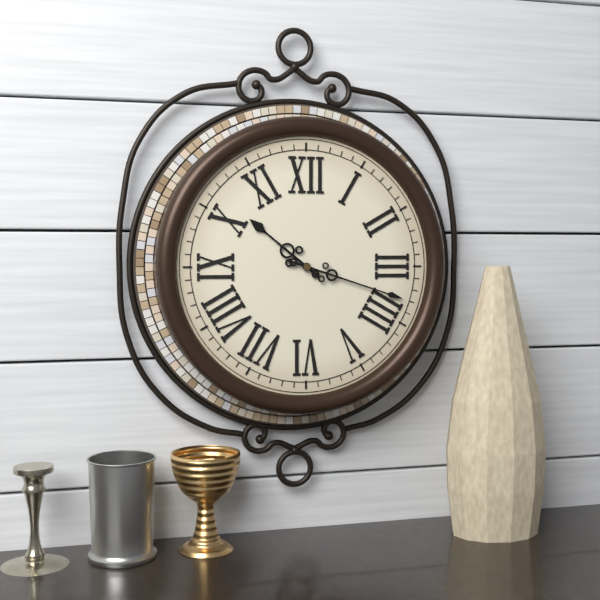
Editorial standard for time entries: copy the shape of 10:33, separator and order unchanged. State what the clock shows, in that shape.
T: 10:18
